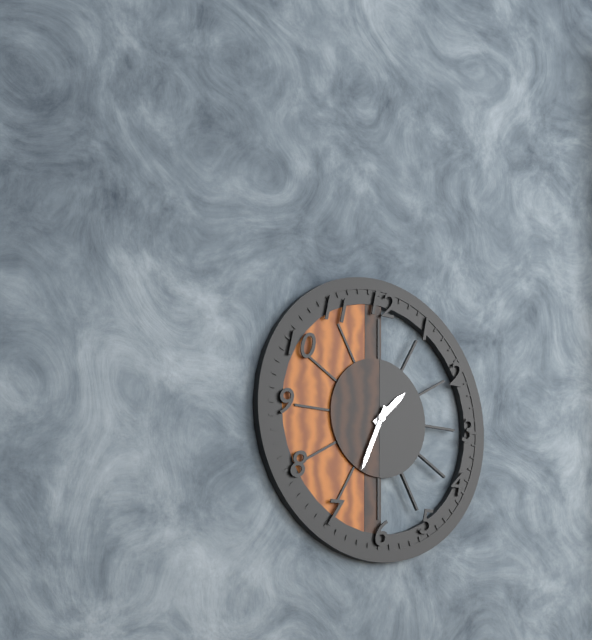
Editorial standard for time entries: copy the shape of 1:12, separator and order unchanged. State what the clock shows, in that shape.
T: 1:34
